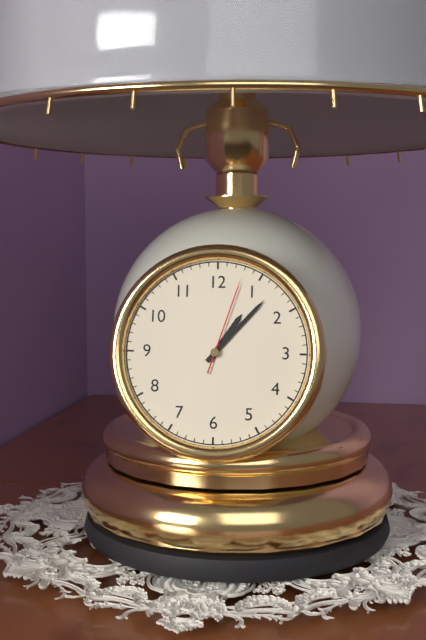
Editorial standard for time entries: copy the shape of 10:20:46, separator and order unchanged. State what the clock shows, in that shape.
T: 1:07:03
